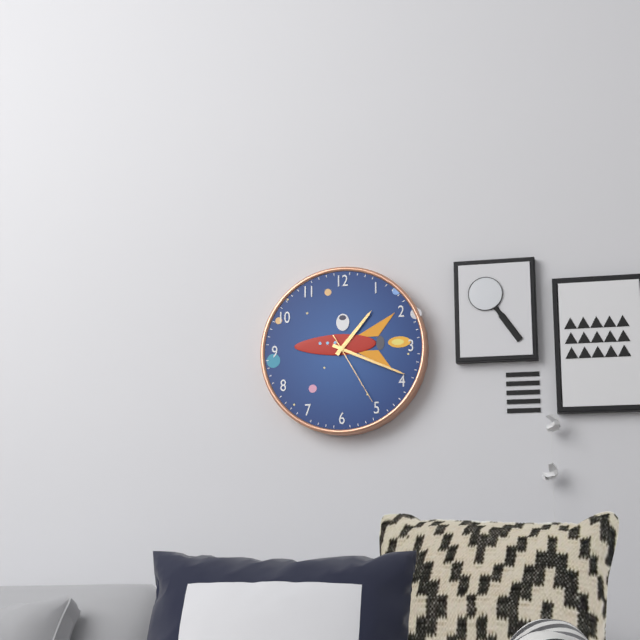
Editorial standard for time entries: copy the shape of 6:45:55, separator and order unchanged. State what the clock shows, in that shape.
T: 1:19:25
